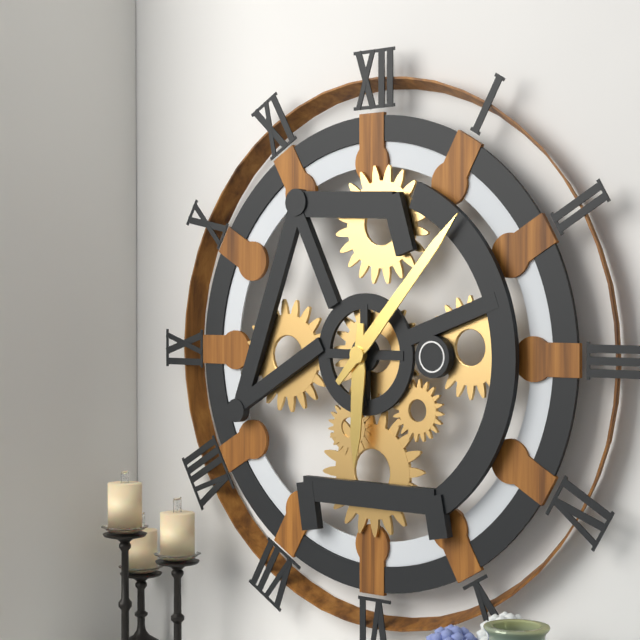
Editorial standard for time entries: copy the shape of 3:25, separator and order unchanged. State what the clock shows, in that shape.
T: 6:07
